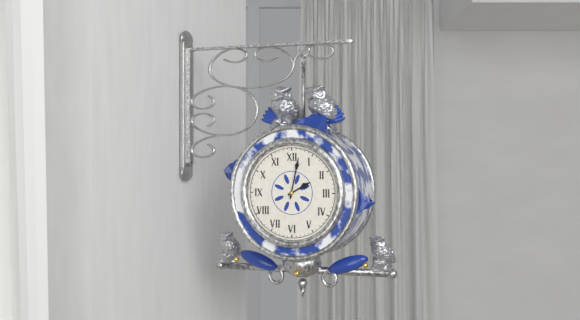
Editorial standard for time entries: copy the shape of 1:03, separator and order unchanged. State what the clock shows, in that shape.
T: 2:02
